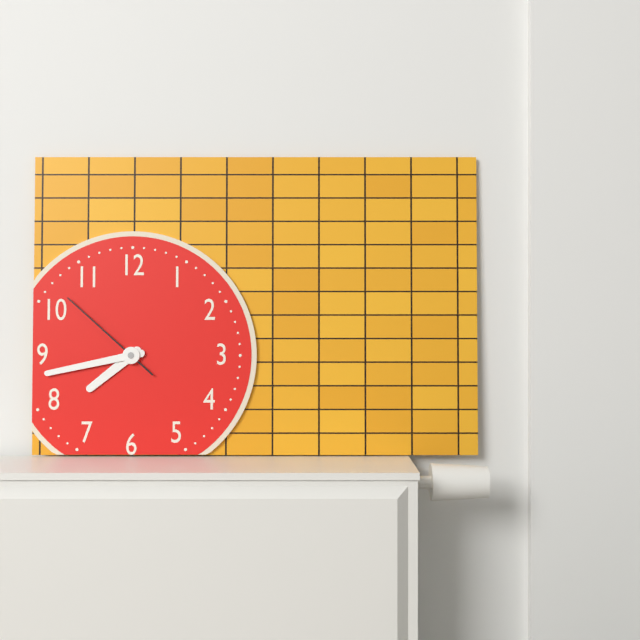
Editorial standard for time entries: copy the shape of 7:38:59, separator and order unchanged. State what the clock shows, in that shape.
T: 7:43:52
